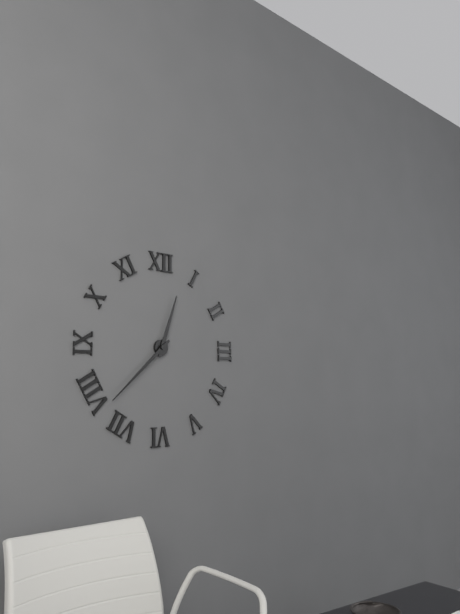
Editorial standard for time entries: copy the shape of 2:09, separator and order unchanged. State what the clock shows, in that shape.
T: 12:38
